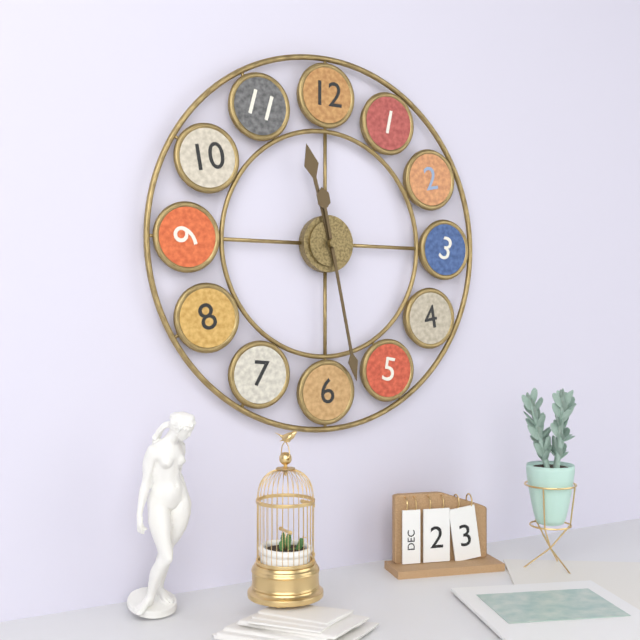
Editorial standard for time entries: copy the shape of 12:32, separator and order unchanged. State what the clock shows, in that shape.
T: 11:28
